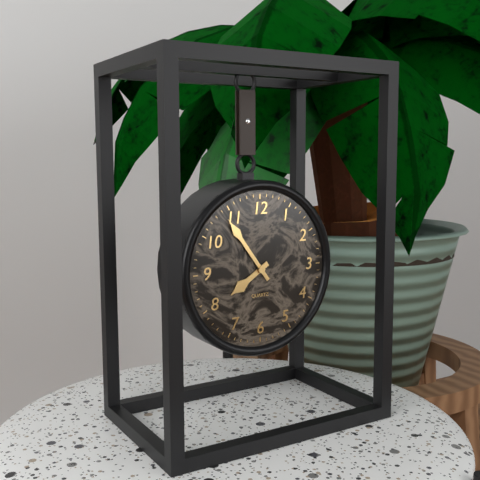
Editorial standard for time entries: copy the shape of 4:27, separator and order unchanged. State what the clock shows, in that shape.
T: 7:54
